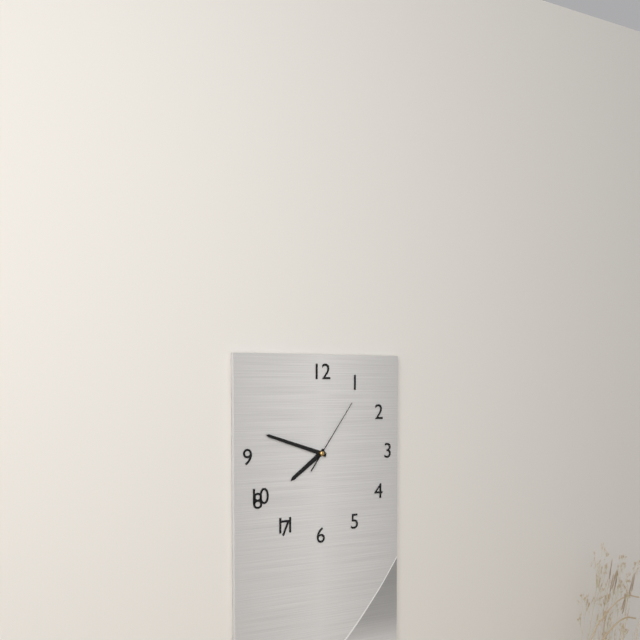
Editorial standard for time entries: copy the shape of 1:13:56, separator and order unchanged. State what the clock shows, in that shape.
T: 7:48:06
